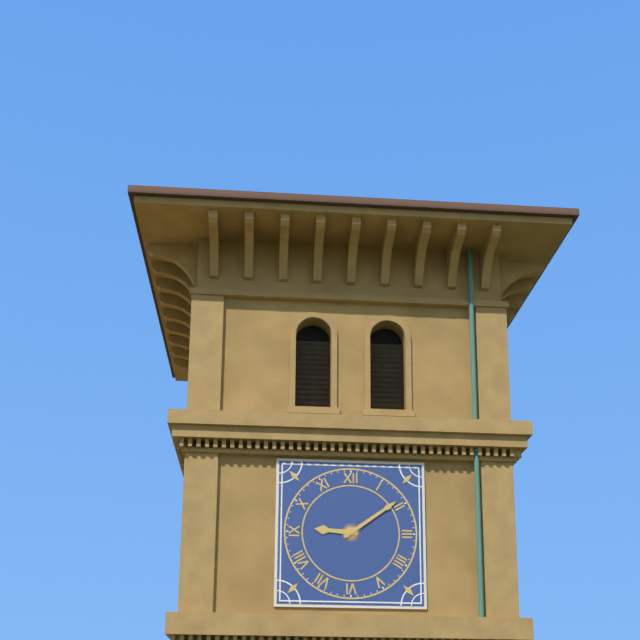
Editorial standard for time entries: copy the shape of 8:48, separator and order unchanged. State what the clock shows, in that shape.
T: 9:09
